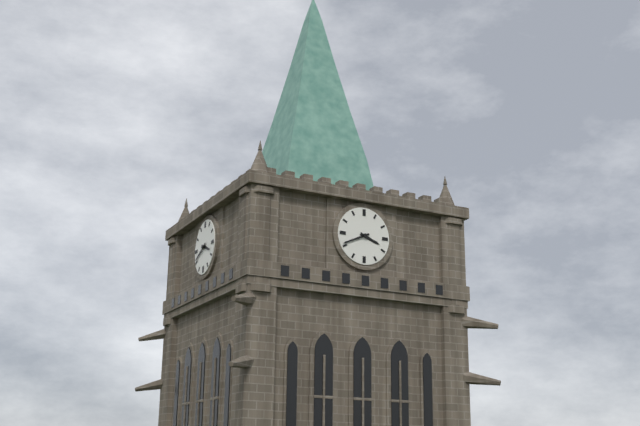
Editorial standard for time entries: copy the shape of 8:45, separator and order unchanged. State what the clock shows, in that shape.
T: 3:41
